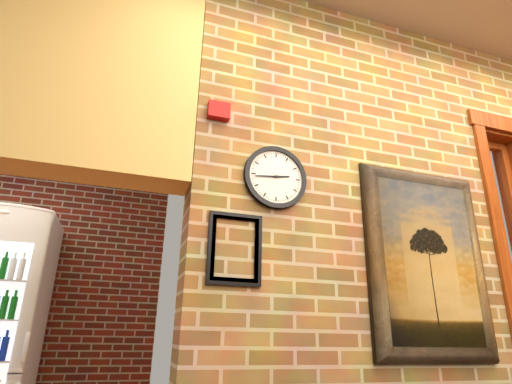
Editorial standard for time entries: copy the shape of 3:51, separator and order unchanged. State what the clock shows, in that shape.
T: 2:44
